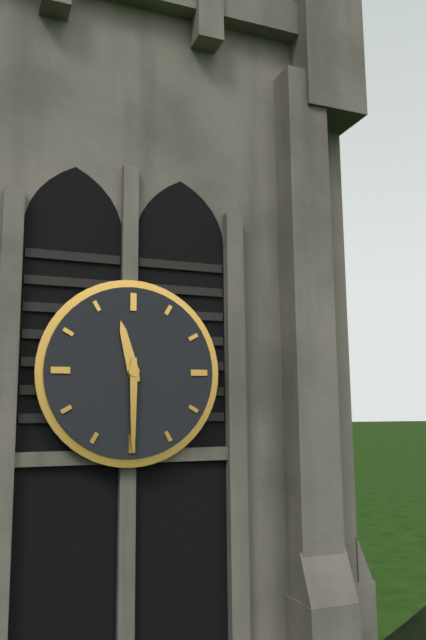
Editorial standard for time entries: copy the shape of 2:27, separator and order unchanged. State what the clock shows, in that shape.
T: 11:30
